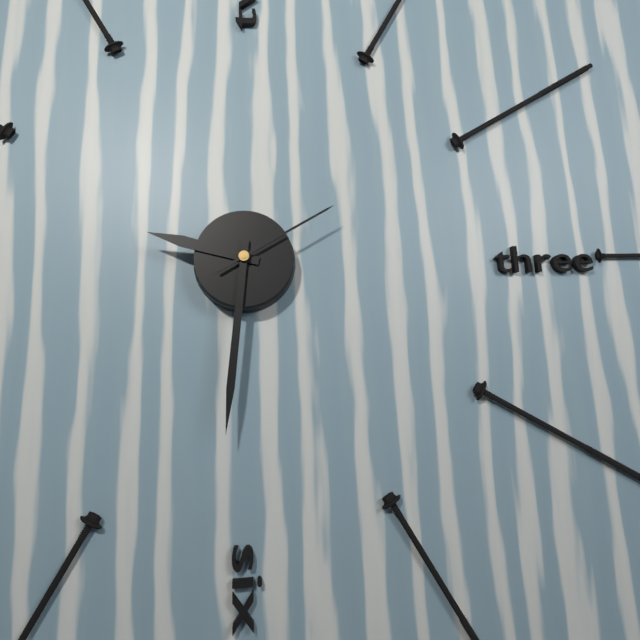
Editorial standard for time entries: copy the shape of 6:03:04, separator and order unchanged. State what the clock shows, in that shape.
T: 9:31:10
